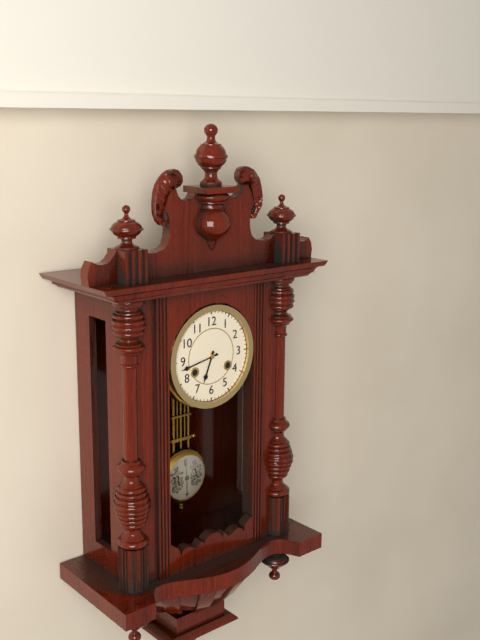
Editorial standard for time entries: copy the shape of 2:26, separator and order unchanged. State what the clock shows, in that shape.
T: 6:43
